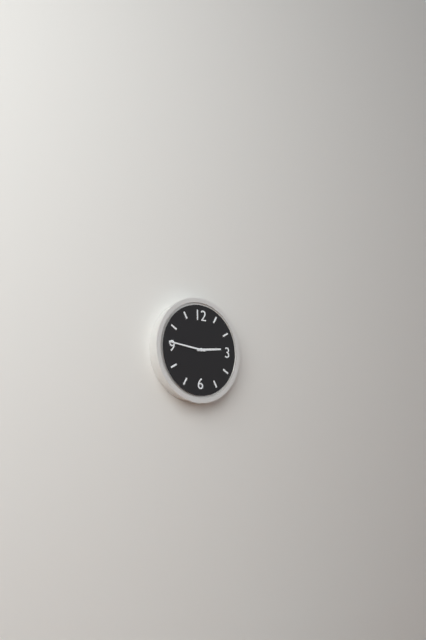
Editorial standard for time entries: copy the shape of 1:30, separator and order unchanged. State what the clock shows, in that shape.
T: 2:46
